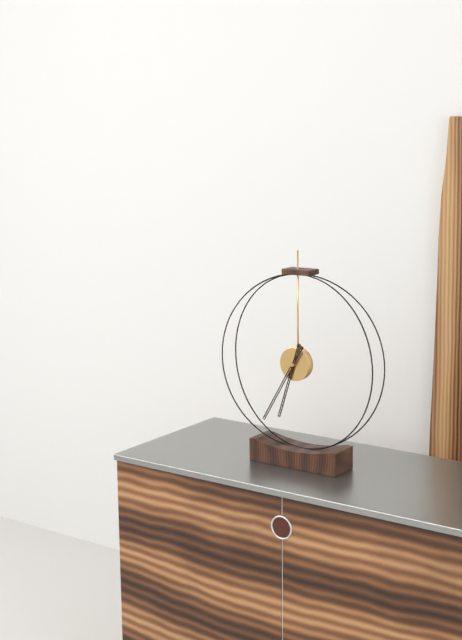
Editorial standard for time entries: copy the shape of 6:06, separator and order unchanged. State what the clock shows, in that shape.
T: 6:35
